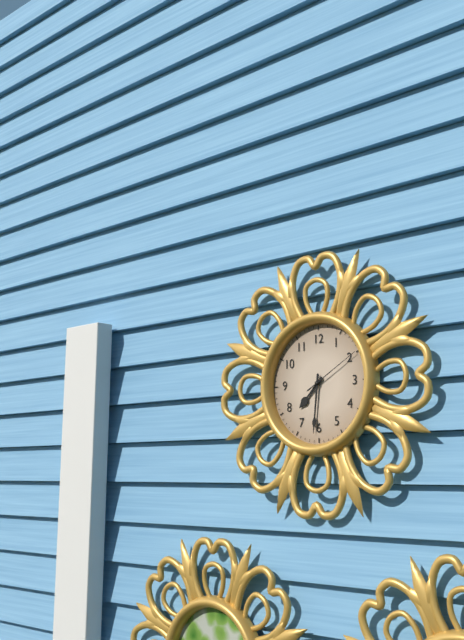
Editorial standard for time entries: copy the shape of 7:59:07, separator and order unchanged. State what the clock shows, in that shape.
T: 7:31:10
